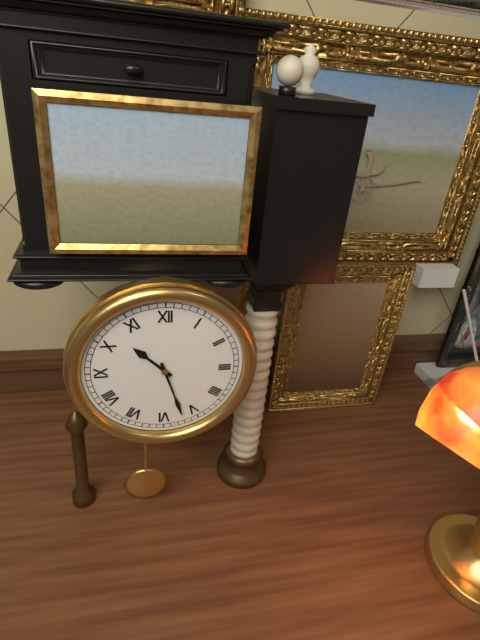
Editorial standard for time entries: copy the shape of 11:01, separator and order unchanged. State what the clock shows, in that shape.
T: 10:27
